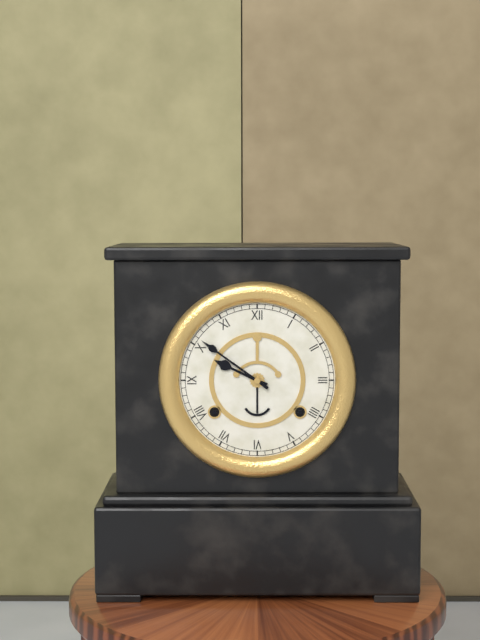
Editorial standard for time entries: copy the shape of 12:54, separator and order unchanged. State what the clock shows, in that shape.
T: 9:51
